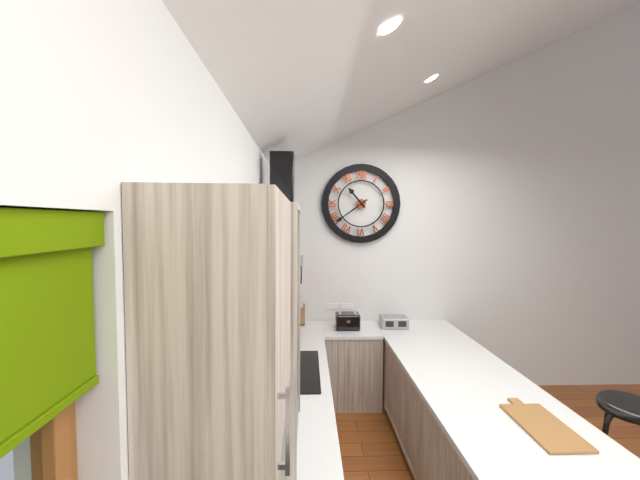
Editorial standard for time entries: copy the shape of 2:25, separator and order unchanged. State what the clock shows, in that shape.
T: 10:39
